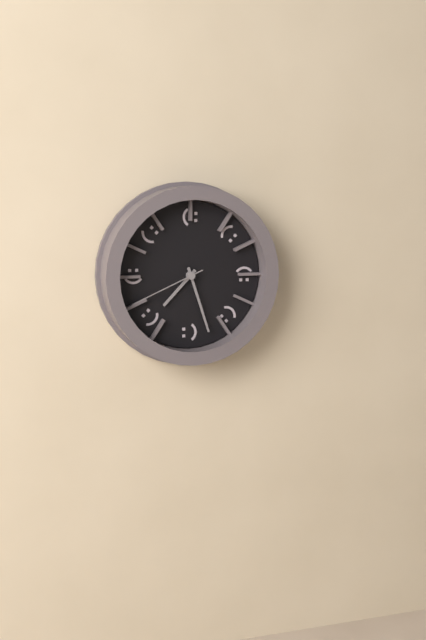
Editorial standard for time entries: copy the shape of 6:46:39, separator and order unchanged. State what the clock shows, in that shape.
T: 7:27:41
